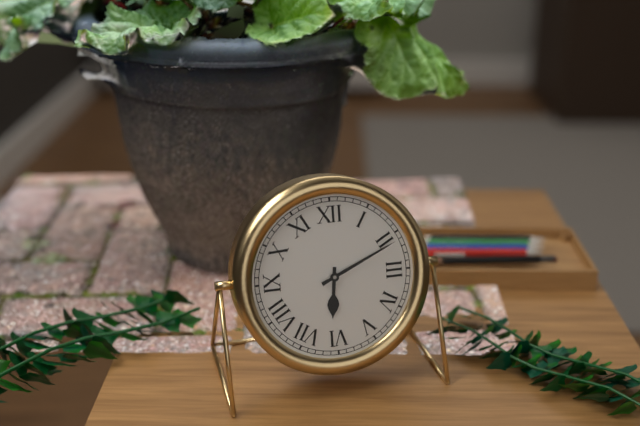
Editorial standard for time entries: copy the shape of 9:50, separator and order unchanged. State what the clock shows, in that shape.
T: 6:11
